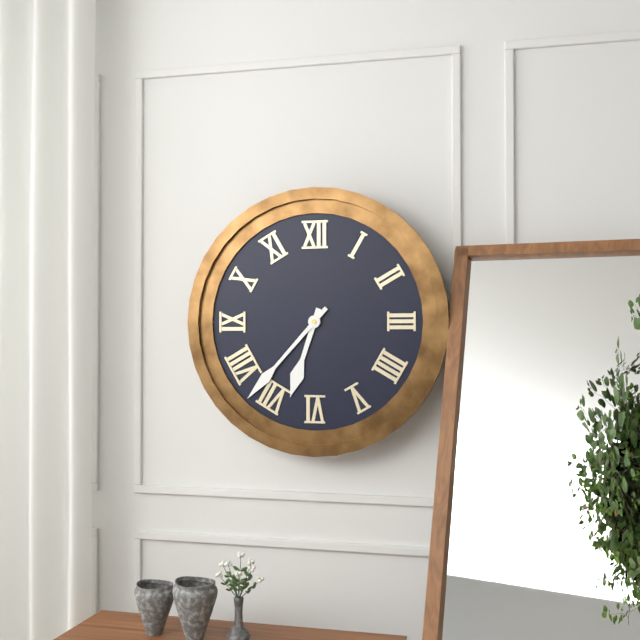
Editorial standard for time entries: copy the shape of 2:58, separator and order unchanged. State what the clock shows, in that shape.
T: 6:37
